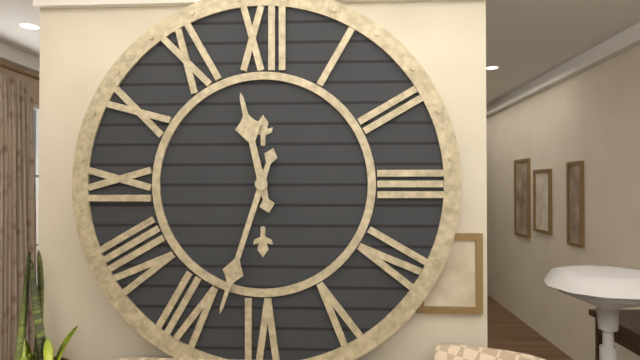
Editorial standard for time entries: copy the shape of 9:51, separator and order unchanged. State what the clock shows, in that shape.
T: 11:33
